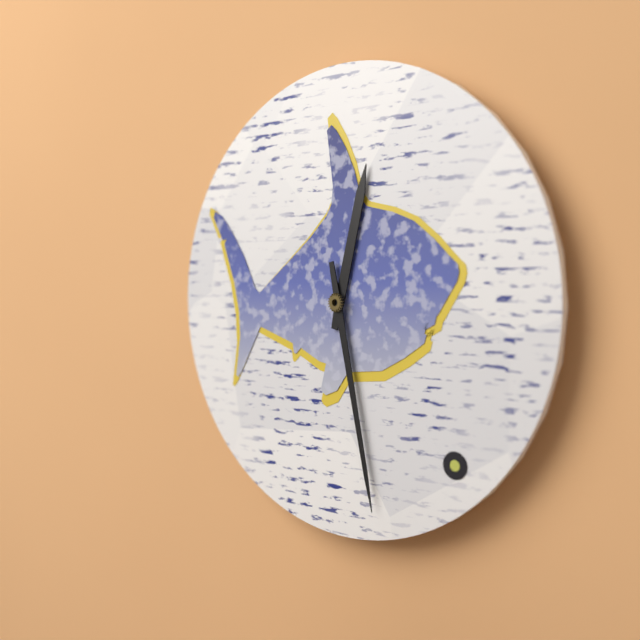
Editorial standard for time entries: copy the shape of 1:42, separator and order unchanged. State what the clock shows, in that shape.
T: 12:28
